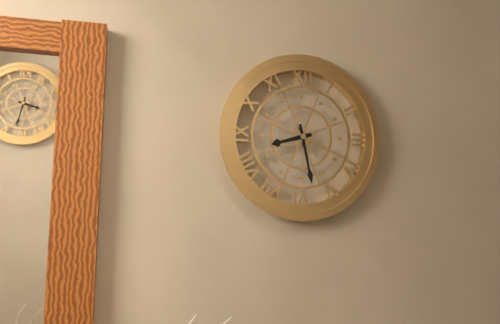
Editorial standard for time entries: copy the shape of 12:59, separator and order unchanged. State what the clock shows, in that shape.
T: 8:28
